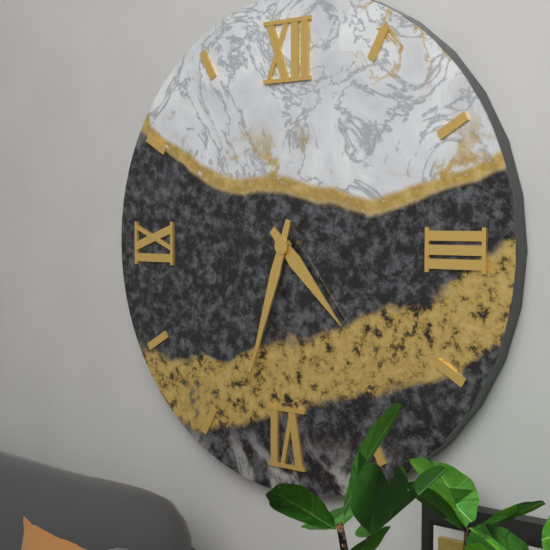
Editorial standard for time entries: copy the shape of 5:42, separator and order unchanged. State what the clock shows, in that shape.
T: 4:33
